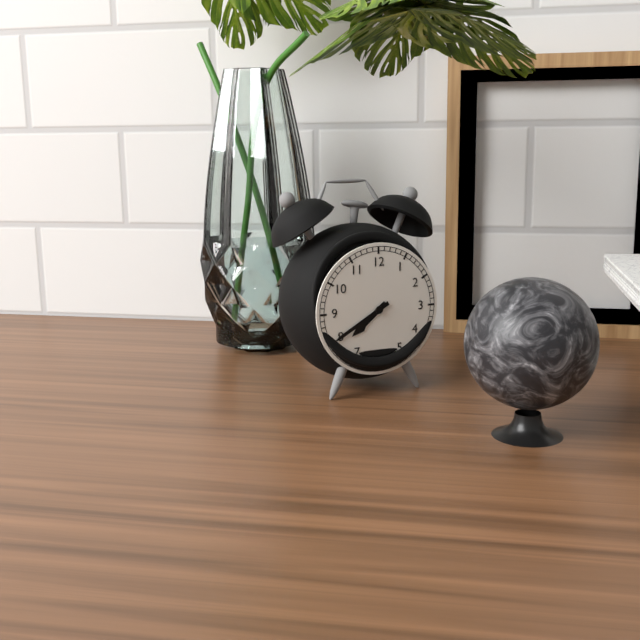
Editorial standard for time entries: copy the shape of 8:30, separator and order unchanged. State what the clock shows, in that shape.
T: 7:40
